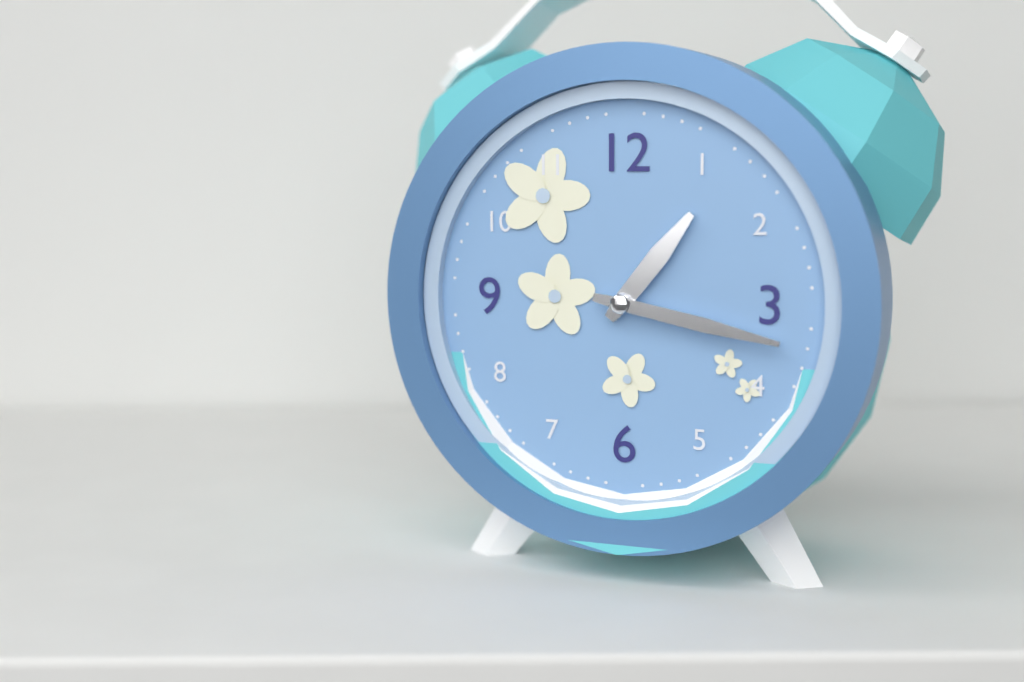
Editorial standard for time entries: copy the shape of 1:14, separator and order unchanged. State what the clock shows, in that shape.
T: 1:17
